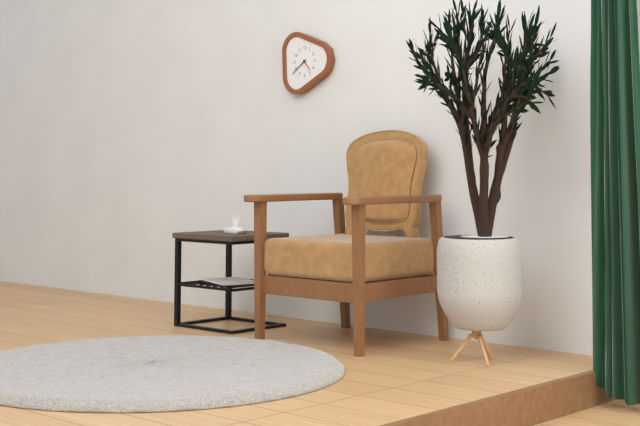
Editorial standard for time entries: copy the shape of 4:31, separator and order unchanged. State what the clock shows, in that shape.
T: 4:39
